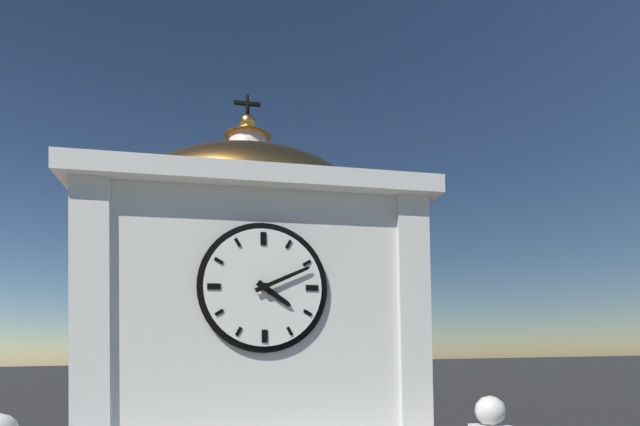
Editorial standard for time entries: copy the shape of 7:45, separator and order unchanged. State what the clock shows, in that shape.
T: 4:11
